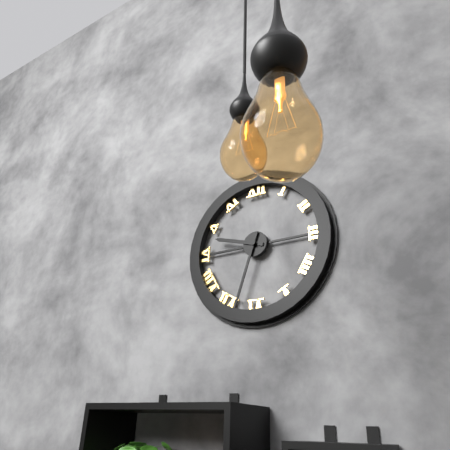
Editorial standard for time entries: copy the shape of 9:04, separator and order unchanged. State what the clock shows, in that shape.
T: 9:33
